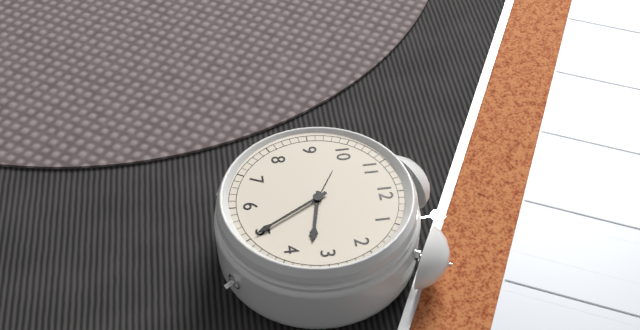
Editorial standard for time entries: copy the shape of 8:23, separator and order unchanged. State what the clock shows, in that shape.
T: 3:25
